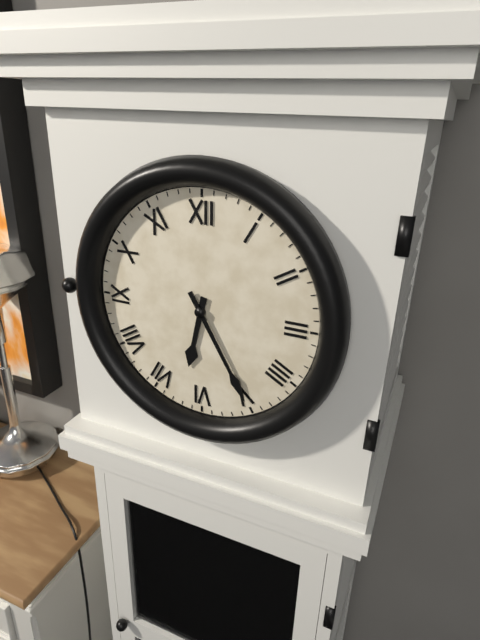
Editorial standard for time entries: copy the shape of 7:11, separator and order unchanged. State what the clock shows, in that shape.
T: 6:25
